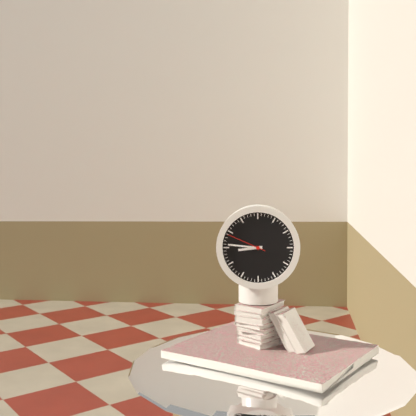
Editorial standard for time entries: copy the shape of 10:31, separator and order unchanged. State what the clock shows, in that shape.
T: 8:46
